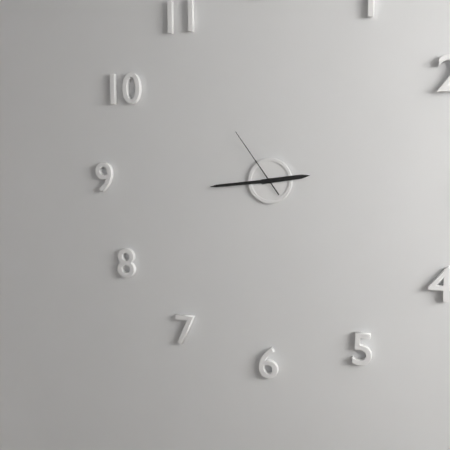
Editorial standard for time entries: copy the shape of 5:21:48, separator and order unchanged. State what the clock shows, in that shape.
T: 2:44:54
